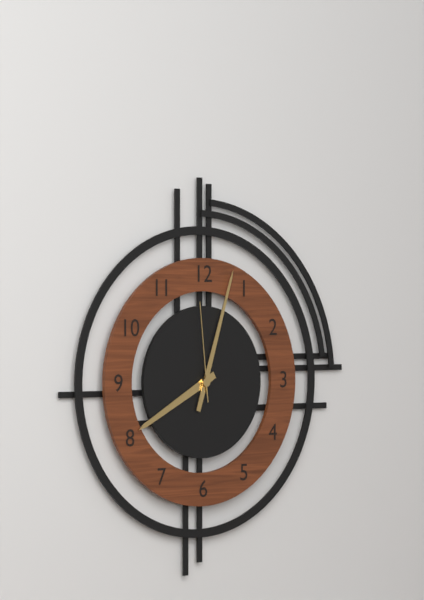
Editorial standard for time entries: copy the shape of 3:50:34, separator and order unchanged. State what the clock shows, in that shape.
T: 8:03:59
